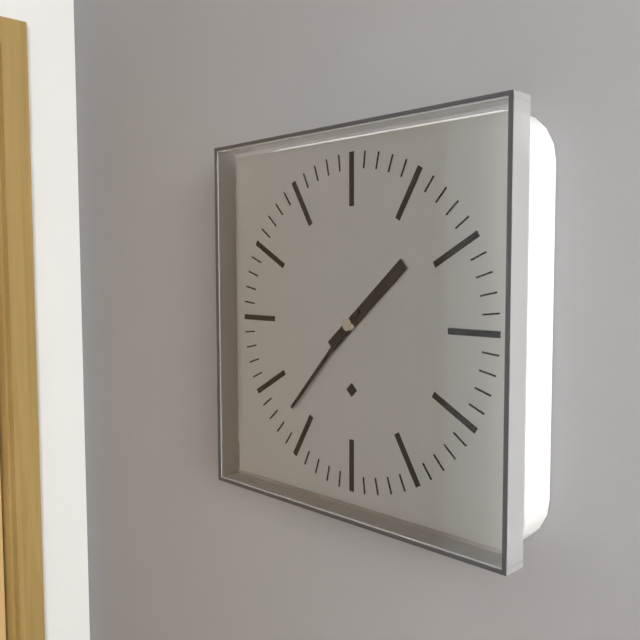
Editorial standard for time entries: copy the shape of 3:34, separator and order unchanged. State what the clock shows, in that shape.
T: 1:37
